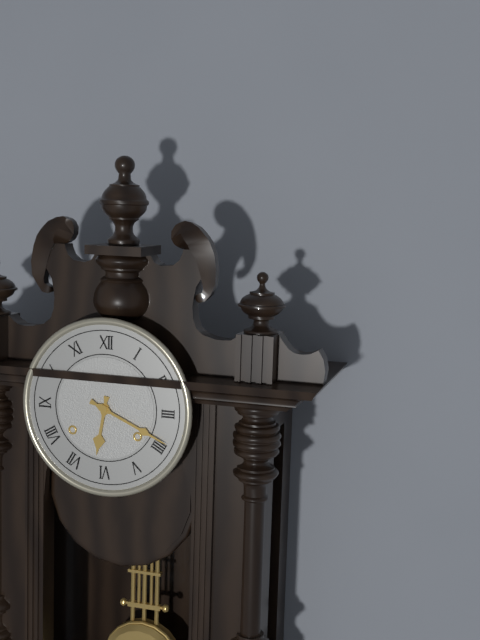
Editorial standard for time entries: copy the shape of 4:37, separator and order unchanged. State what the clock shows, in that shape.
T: 6:19
